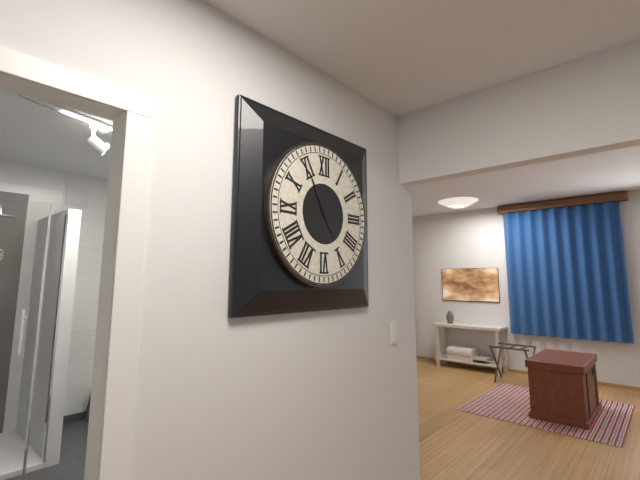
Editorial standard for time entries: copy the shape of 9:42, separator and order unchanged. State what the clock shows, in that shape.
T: 4:55
